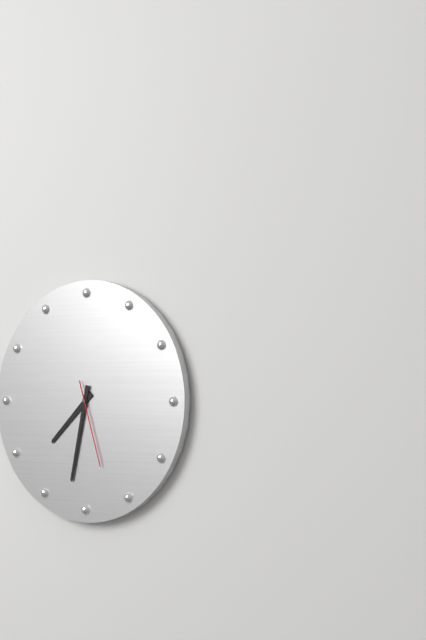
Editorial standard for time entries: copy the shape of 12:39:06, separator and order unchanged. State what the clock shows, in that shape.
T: 7:32:27
